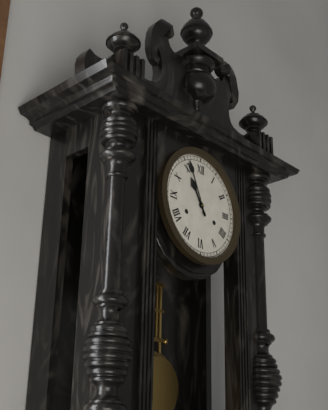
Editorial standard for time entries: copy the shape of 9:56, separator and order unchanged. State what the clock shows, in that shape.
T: 10:56
